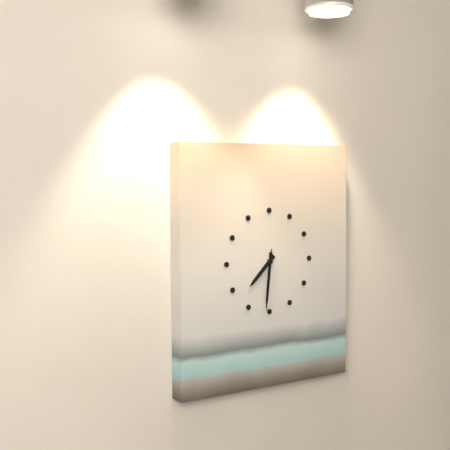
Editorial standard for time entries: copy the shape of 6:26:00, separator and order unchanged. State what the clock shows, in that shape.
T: 7:31:31
